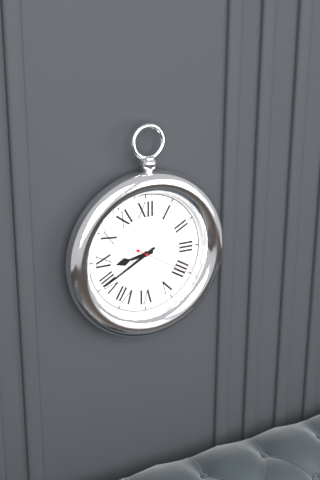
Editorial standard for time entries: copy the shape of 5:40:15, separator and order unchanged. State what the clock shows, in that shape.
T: 8:40:20
